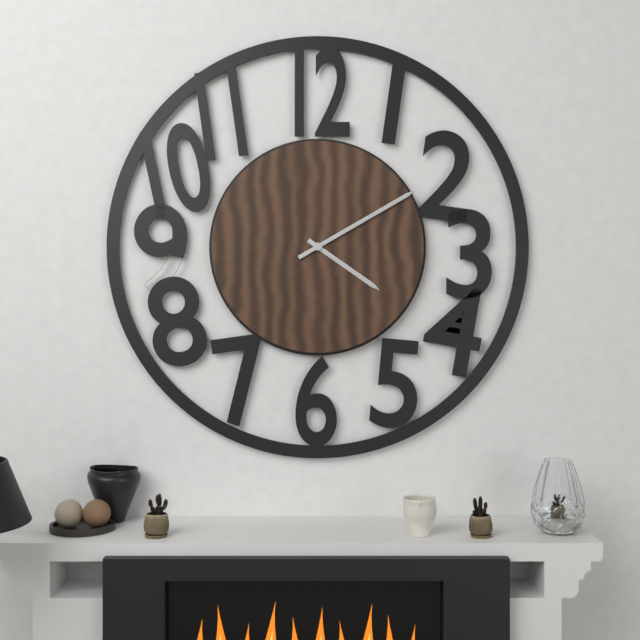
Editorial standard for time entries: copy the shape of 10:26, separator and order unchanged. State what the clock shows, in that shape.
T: 4:10
